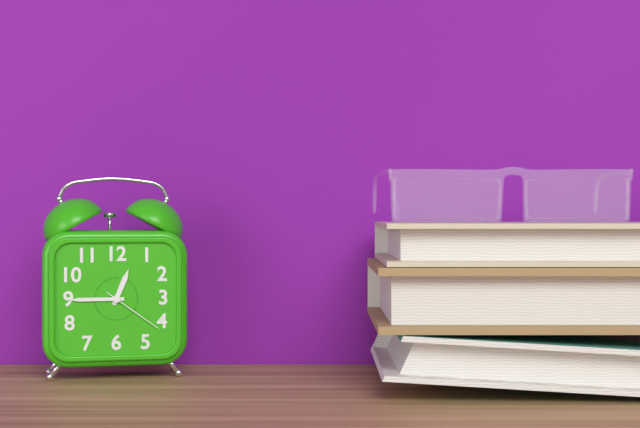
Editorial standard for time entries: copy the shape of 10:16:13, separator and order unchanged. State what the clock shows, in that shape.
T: 12:45:21
